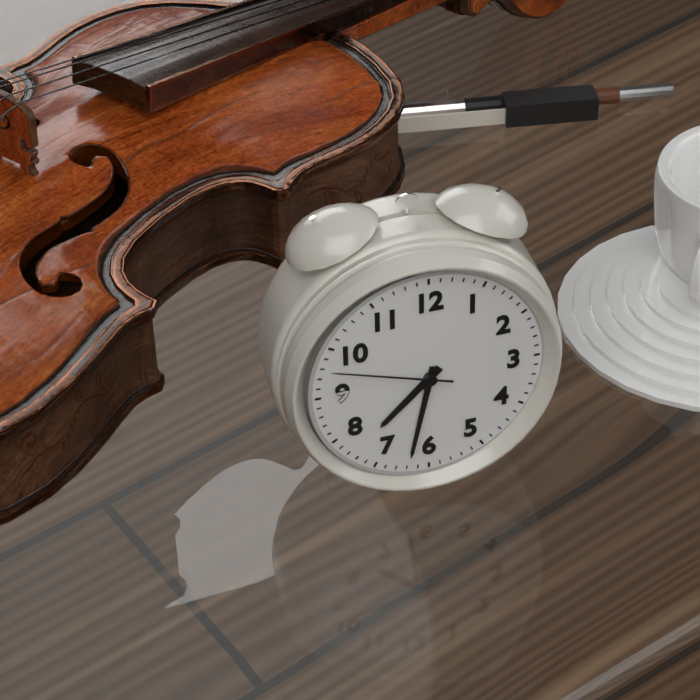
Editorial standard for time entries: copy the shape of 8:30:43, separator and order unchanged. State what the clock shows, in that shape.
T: 7:32:48
